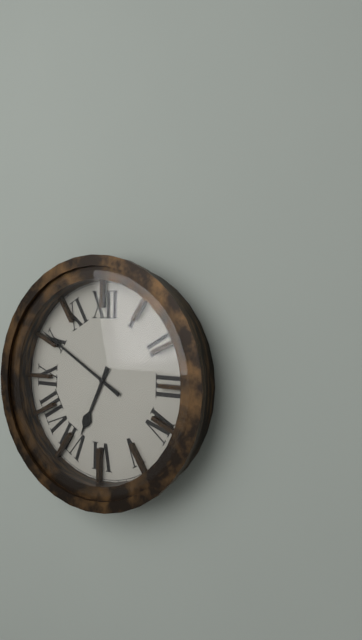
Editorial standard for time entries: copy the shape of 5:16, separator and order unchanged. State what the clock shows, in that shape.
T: 6:50
